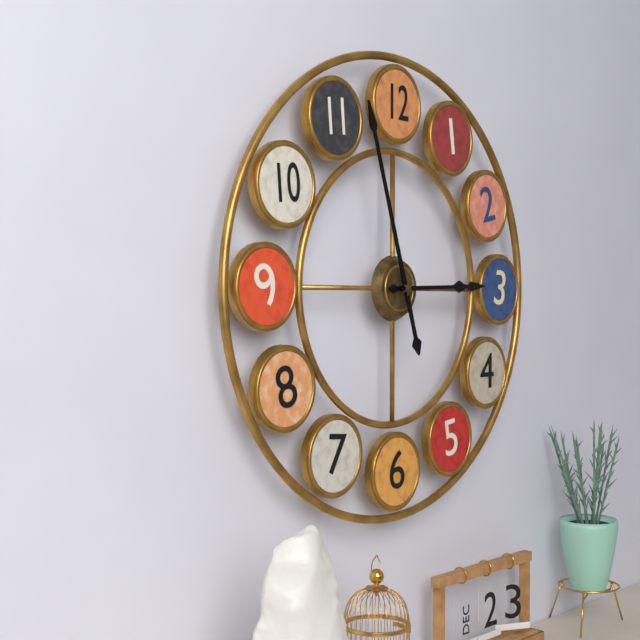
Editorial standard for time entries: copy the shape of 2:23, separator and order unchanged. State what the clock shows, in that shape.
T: 2:57
